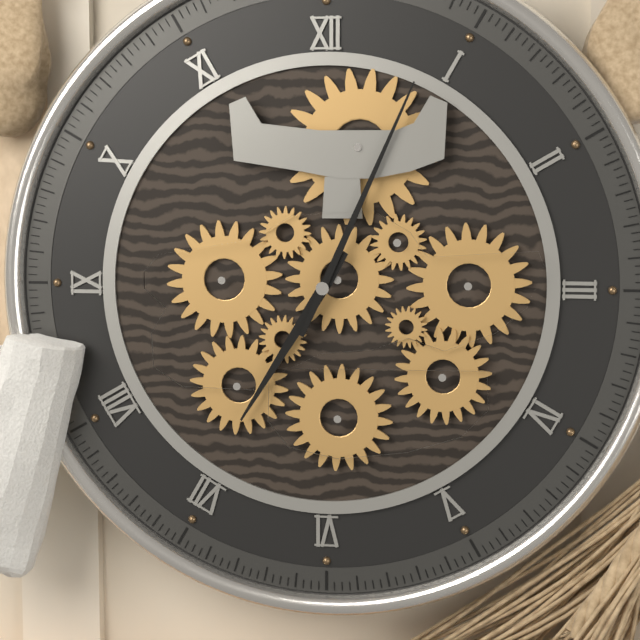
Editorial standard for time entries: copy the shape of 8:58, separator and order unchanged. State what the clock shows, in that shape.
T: 7:04
